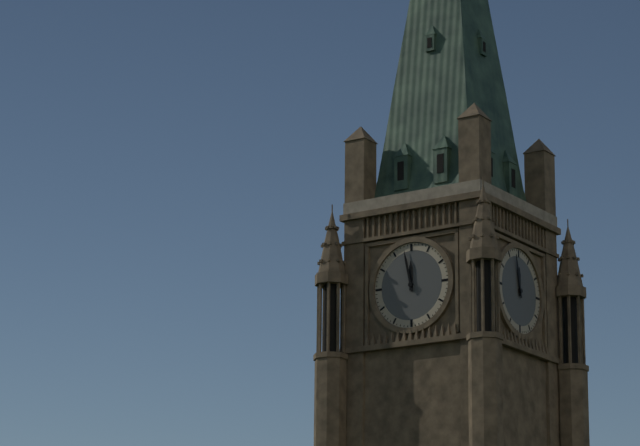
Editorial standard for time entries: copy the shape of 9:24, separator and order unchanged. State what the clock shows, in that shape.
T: 11:58
